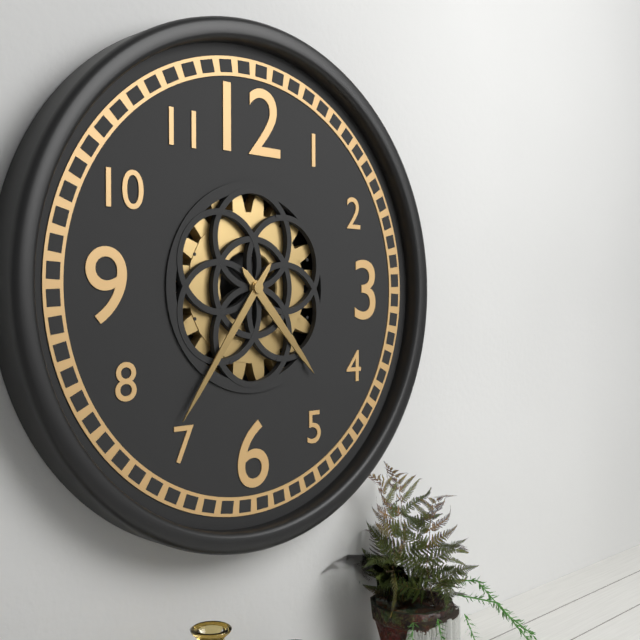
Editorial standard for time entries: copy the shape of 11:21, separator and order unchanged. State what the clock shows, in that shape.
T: 4:36
